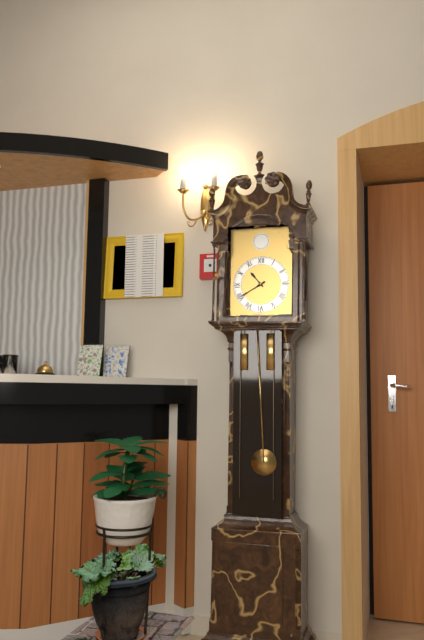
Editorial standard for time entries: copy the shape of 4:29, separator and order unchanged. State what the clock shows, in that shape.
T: 10:40
